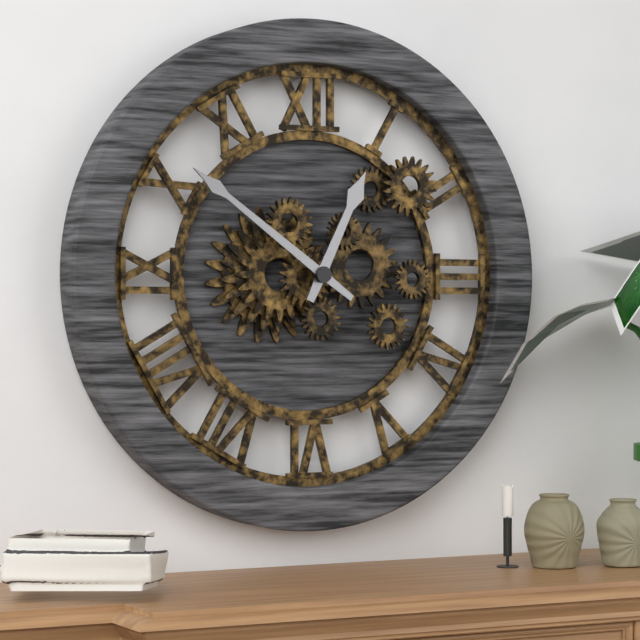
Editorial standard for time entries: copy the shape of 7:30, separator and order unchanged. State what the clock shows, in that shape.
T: 12:51
